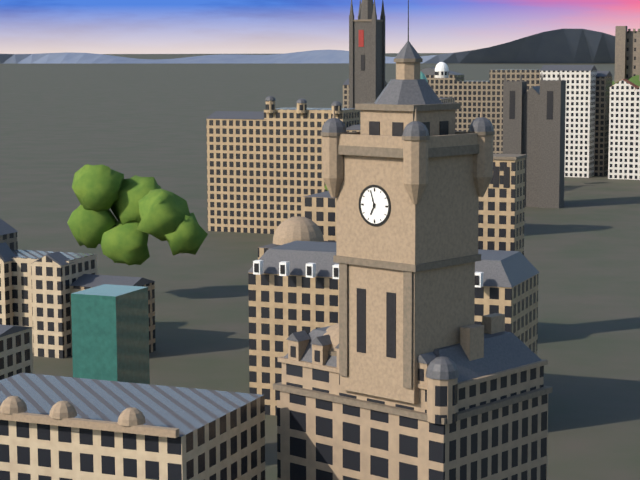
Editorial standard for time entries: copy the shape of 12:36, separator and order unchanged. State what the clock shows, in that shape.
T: 6:57
